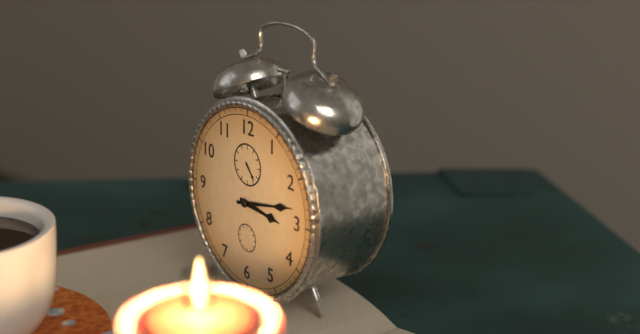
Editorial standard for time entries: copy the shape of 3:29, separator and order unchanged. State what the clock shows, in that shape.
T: 3:13
